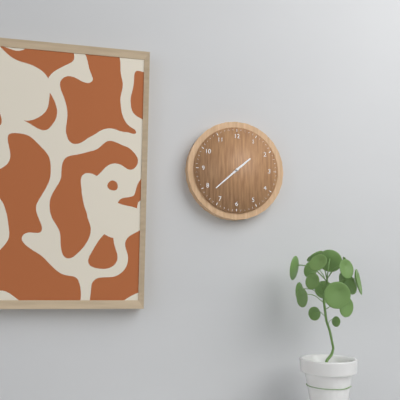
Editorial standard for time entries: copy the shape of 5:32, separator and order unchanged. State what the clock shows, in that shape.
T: 1:38
